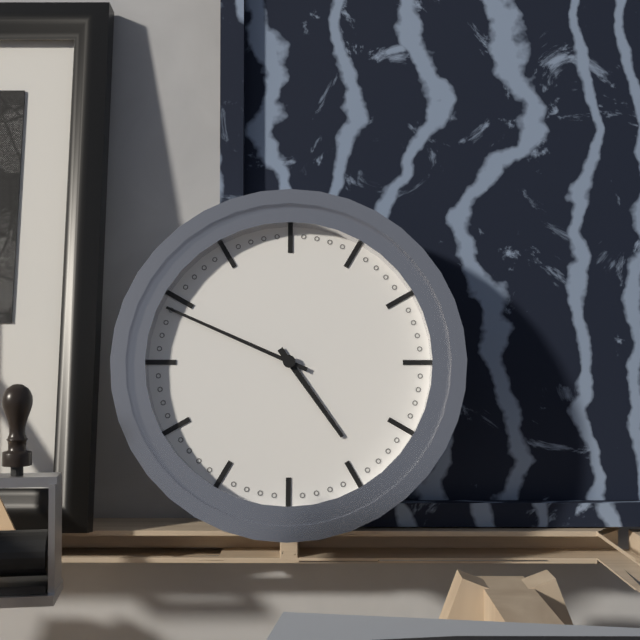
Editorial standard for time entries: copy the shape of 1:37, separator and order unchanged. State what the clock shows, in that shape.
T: 4:49
